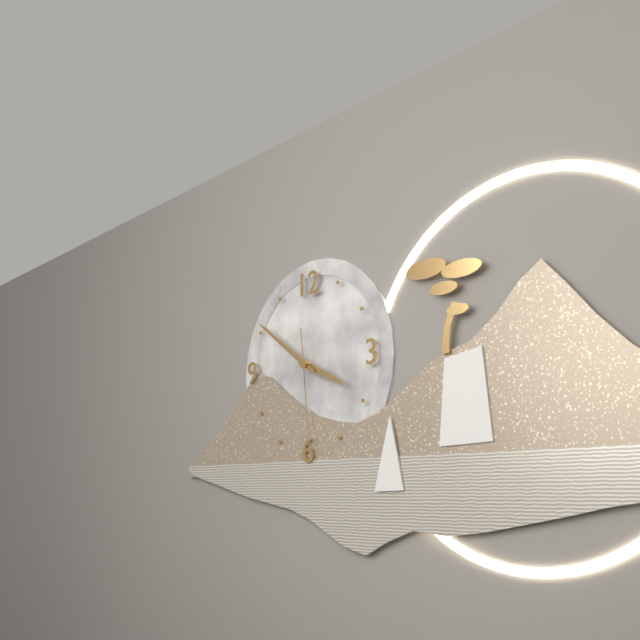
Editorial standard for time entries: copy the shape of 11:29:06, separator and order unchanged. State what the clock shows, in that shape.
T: 3:51:29
